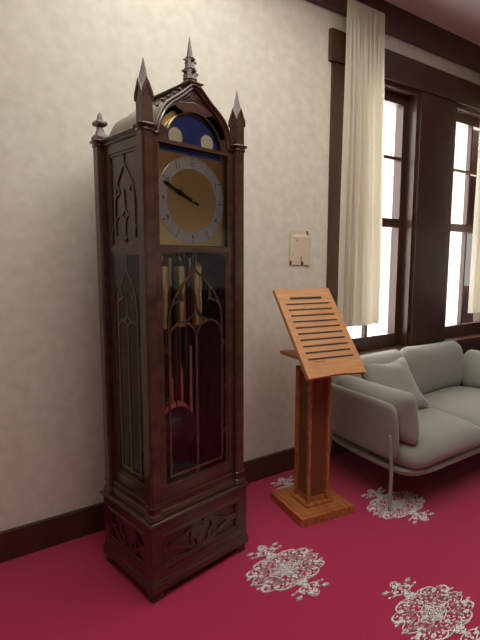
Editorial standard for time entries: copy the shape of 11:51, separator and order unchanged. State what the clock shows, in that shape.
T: 9:49
